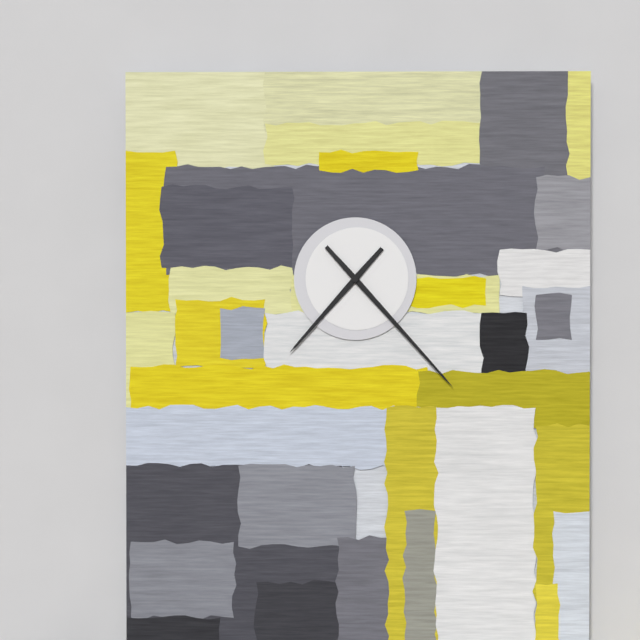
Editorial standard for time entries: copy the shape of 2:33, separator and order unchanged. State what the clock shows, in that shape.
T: 7:23
